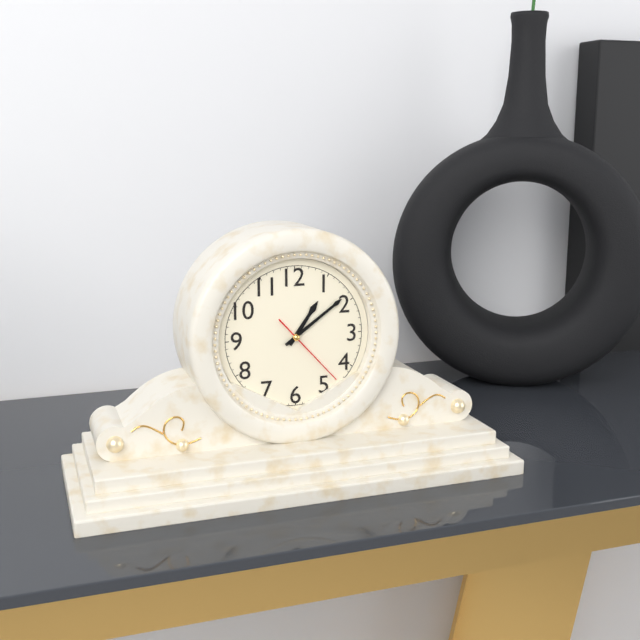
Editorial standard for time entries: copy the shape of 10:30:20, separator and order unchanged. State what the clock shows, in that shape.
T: 1:09:23
